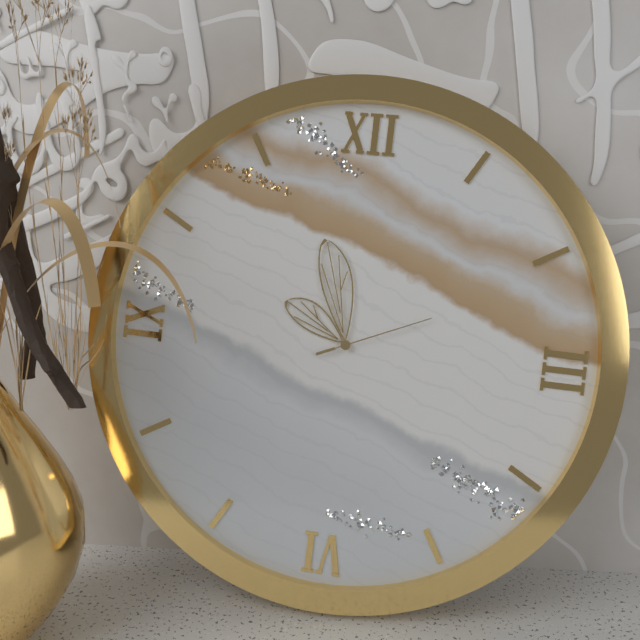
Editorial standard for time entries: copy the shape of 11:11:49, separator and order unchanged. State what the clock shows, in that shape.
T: 9:57:11
